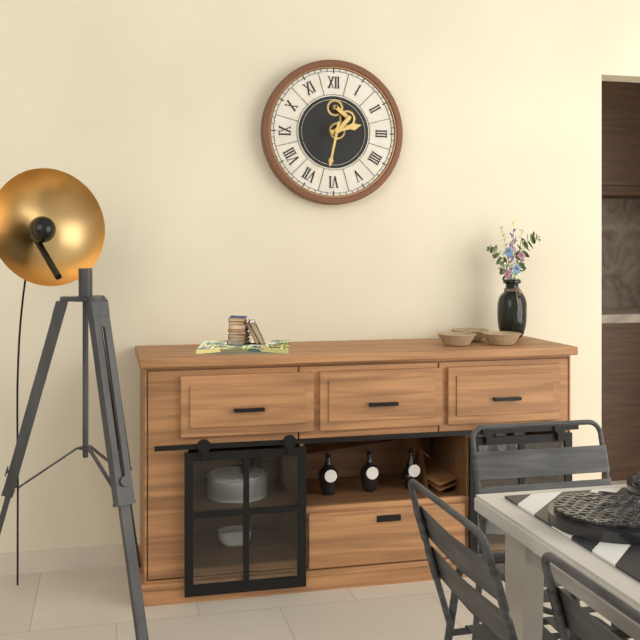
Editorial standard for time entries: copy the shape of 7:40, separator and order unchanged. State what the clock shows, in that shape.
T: 2:32
